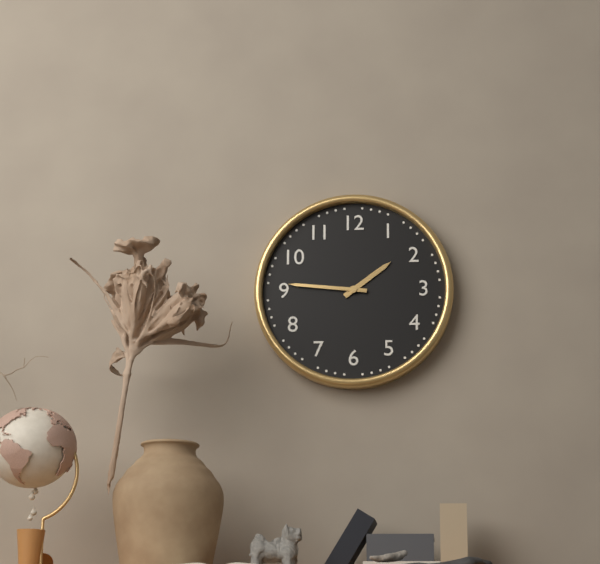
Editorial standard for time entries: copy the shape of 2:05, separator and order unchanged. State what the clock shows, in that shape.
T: 1:46
